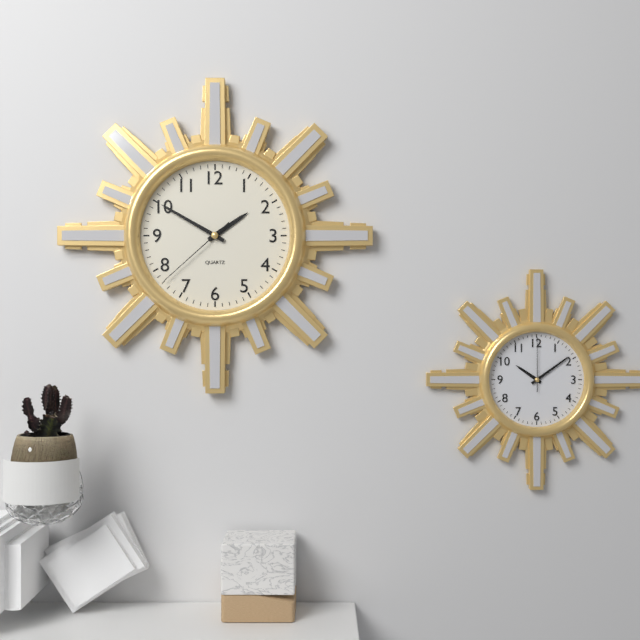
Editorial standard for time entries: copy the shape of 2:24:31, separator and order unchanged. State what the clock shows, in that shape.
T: 1:50:38
